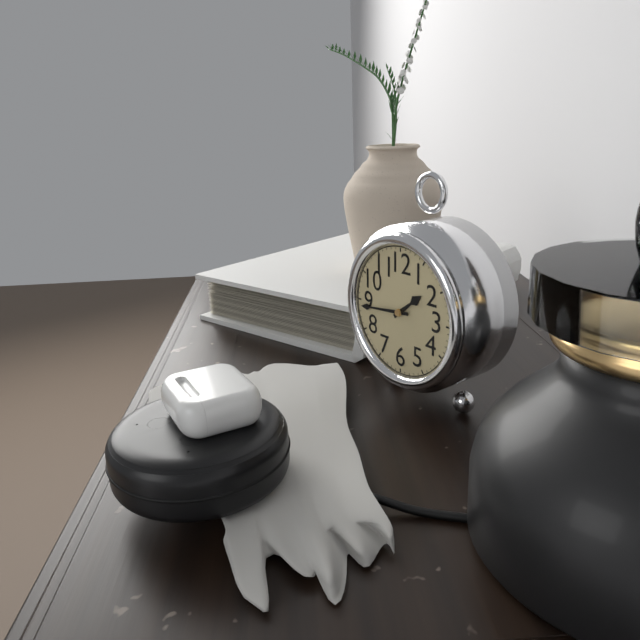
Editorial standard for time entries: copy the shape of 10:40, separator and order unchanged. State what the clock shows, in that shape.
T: 1:44
